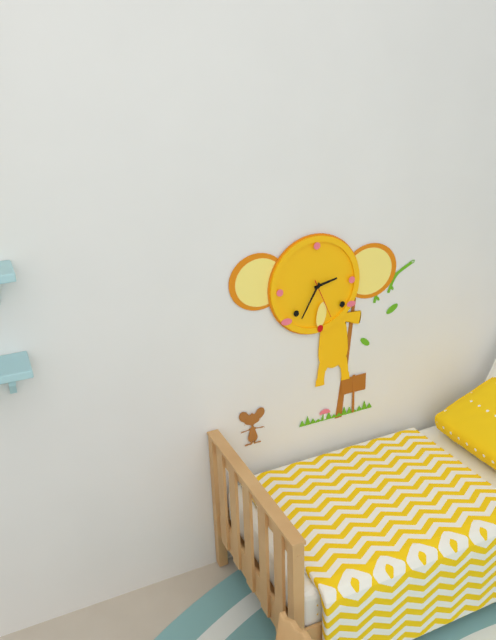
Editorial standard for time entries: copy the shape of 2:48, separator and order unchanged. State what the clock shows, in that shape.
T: 2:35
